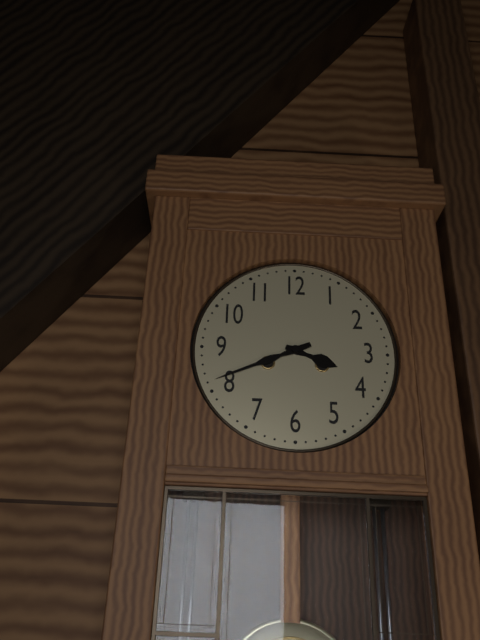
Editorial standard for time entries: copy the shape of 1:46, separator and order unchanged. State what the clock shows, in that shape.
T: 3:41
